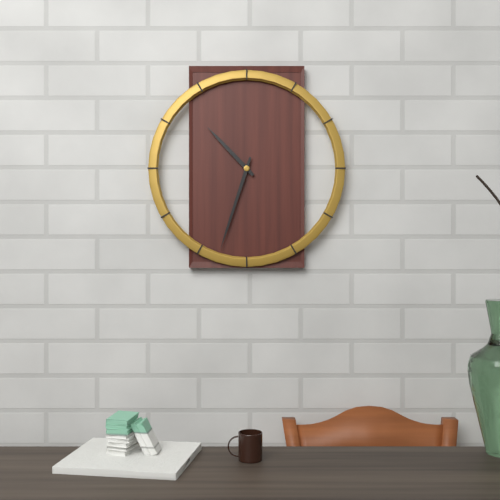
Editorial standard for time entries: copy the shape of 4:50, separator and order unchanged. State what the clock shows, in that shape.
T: 10:33
